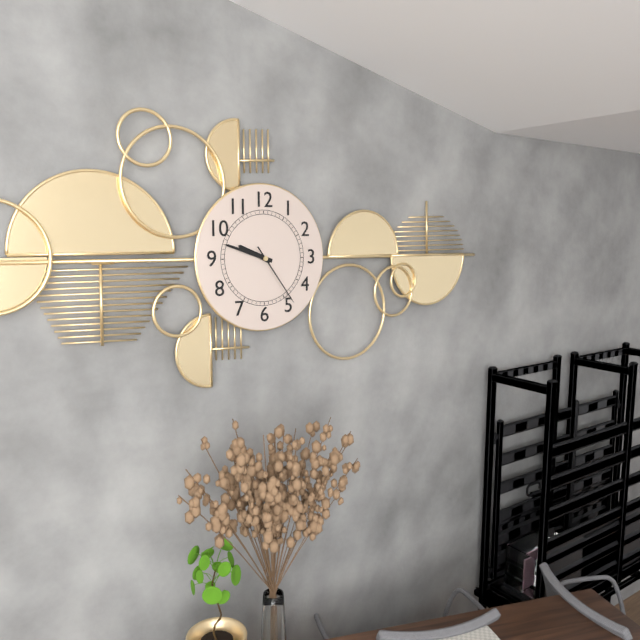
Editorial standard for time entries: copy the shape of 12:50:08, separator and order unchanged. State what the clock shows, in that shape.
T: 9:48:24
